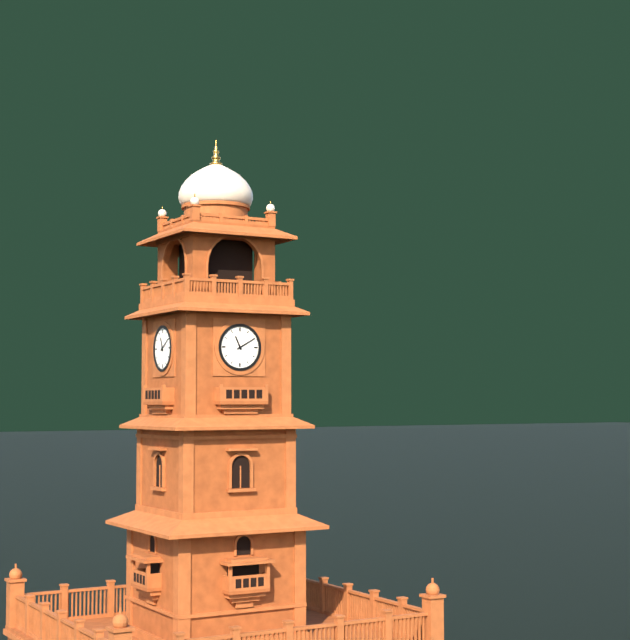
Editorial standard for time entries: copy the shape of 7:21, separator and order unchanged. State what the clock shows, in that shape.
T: 11:10
